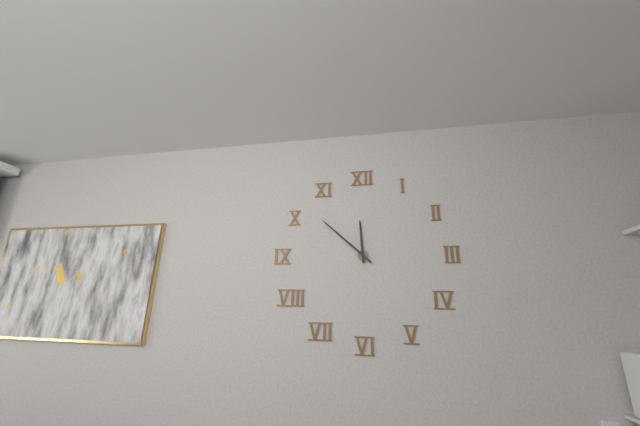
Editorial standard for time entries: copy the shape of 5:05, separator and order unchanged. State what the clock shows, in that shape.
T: 11:52
